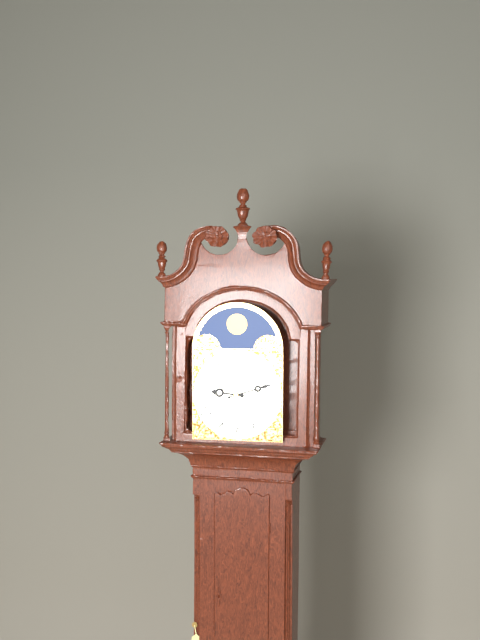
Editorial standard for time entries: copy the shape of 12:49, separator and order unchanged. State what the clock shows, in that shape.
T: 9:12
